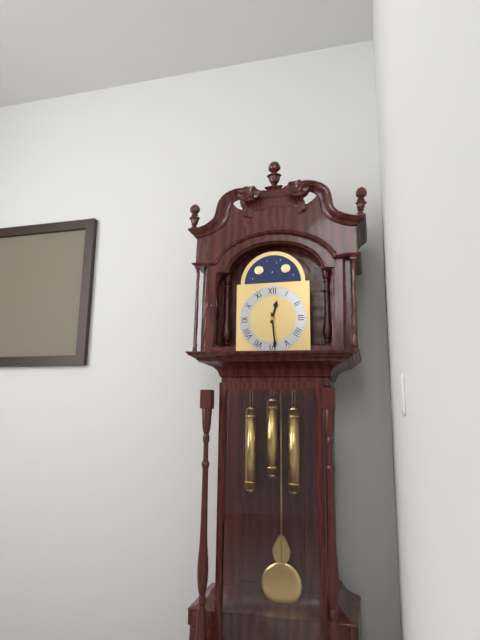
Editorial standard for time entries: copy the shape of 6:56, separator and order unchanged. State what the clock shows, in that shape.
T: 12:29
